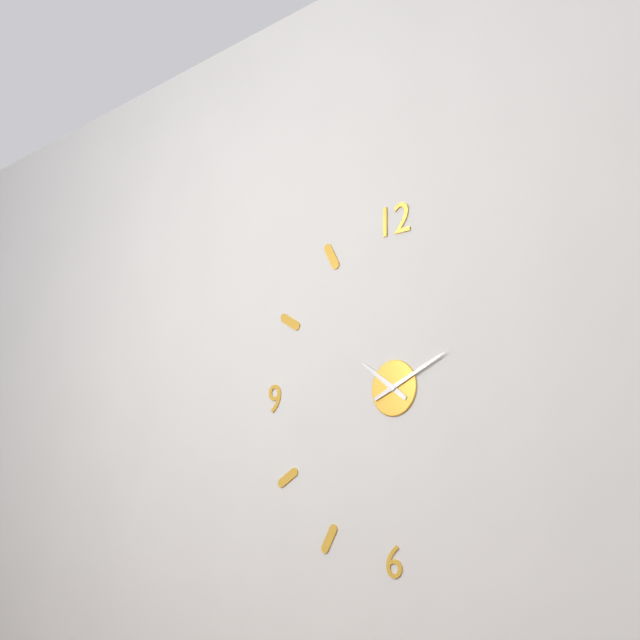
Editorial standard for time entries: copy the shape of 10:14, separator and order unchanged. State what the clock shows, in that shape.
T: 10:11
